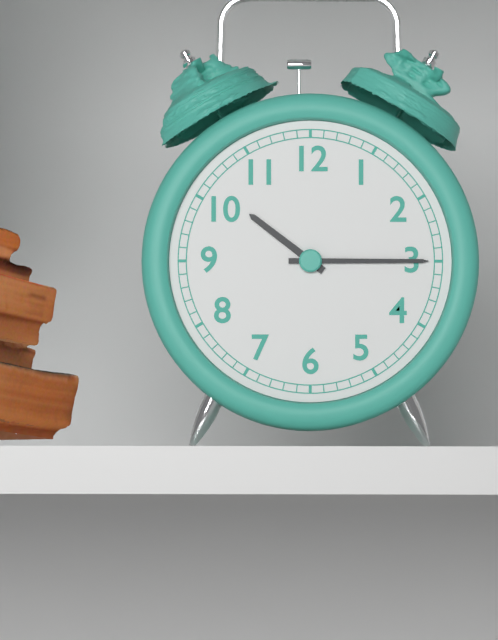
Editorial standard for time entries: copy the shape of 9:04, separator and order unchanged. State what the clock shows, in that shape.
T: 10:15
